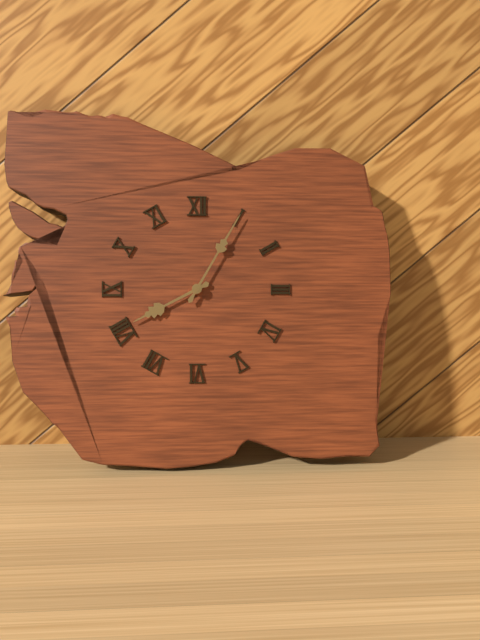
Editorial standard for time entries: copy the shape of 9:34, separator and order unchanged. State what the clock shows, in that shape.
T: 8:05
